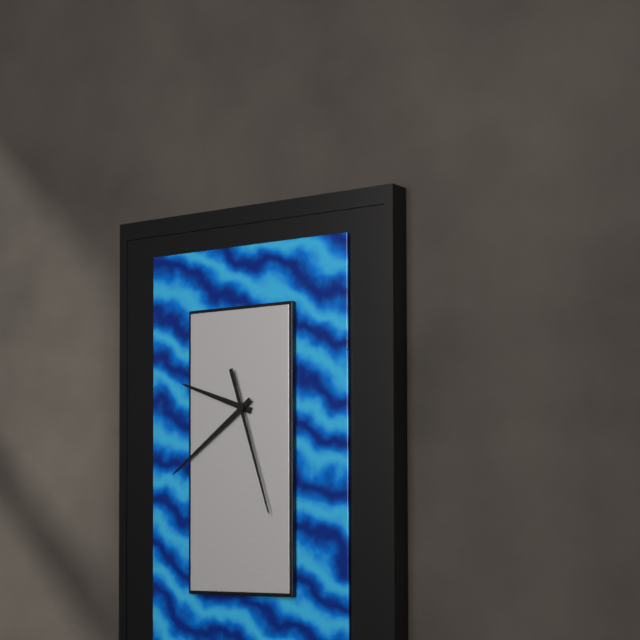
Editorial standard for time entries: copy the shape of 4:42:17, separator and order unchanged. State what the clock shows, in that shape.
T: 9:39:27
